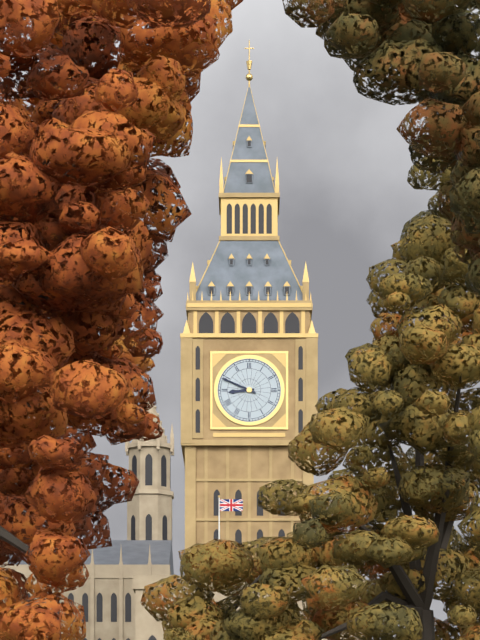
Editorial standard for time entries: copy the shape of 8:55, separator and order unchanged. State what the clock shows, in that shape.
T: 8:49
